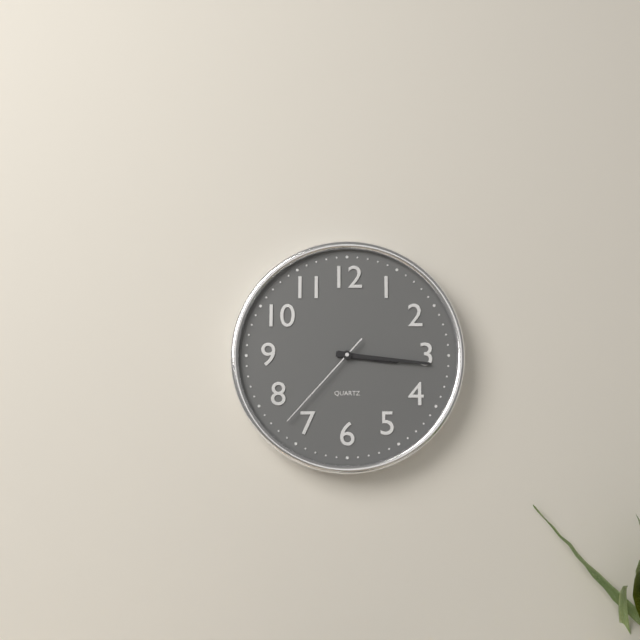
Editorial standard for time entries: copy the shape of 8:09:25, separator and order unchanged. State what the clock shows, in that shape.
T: 3:16:37
